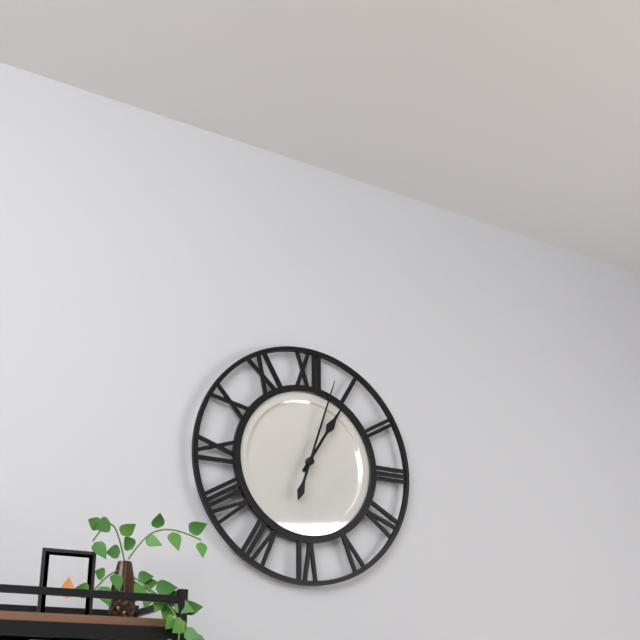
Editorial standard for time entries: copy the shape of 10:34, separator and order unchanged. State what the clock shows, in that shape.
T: 1:03
